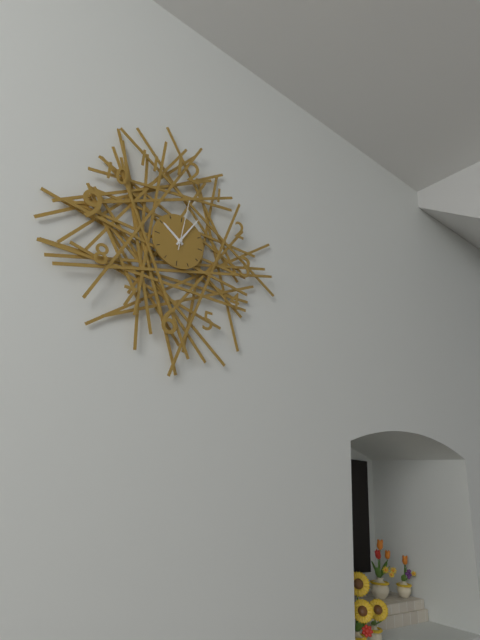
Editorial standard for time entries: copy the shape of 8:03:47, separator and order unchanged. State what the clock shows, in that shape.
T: 10:05:01
